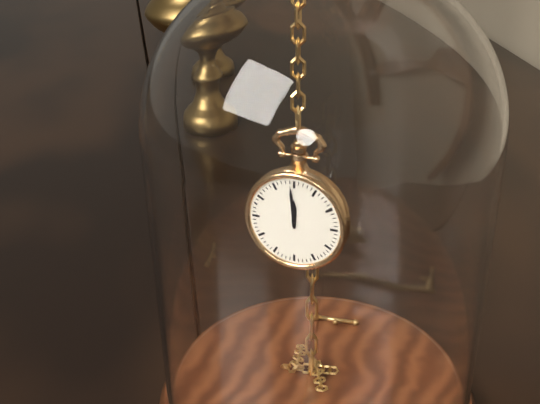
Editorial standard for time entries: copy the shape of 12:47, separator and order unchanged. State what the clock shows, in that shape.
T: 11:59
